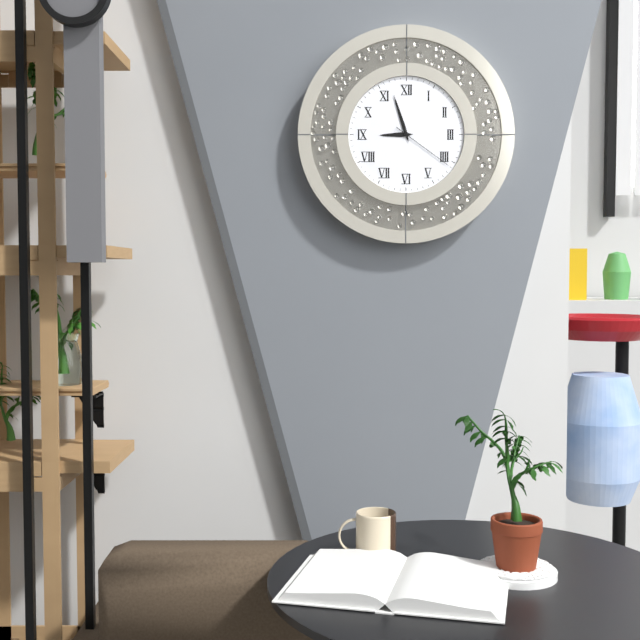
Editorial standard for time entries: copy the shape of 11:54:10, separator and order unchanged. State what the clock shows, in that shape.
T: 8:57:21
